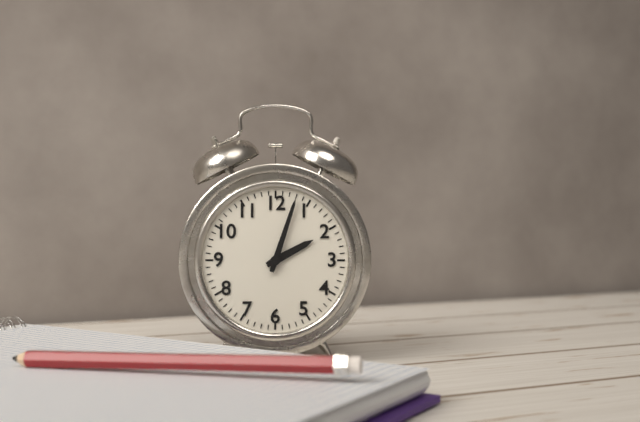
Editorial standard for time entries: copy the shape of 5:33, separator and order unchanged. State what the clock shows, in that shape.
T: 2:03
